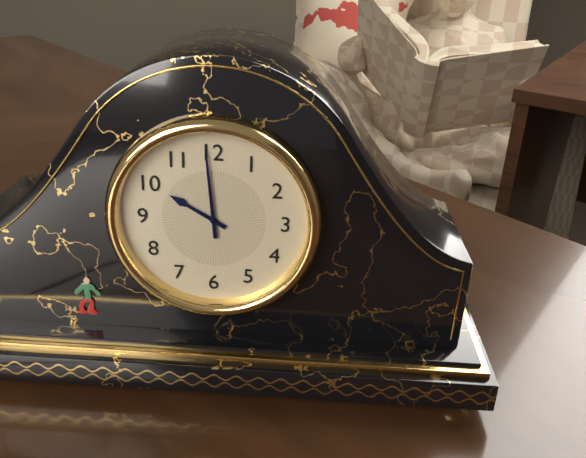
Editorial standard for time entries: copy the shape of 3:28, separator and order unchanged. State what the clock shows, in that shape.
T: 9:59
